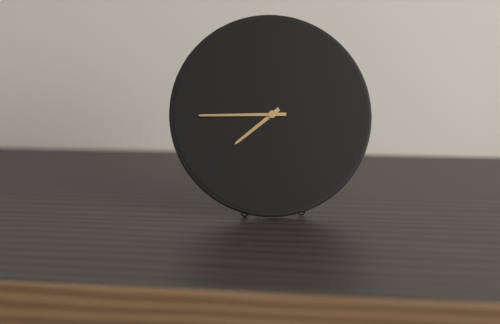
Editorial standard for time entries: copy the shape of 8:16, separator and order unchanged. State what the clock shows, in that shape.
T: 7:45
